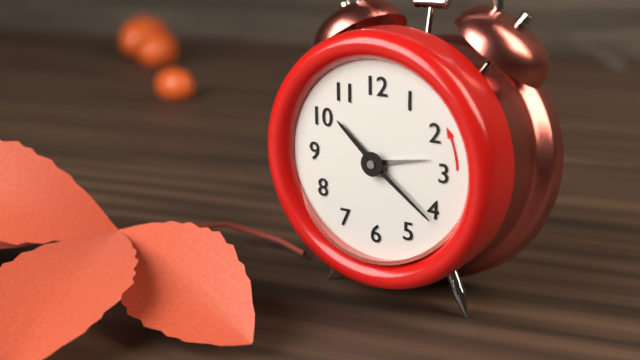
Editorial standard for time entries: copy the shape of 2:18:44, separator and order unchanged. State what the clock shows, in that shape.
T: 10:21:13
